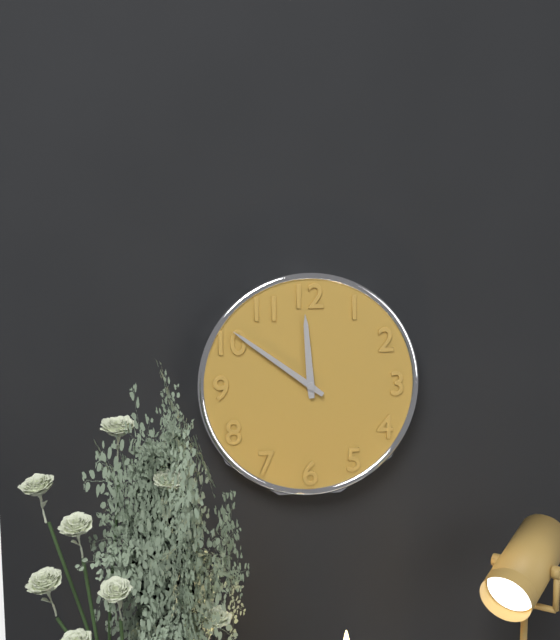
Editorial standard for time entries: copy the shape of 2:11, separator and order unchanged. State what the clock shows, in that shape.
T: 11:51
